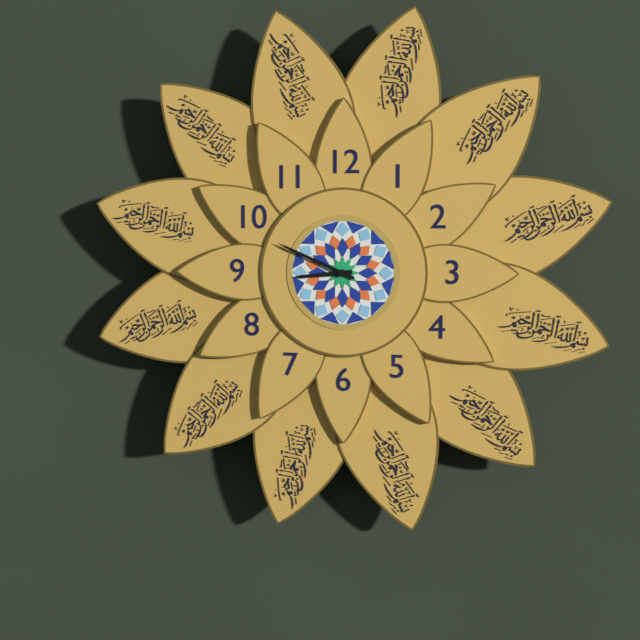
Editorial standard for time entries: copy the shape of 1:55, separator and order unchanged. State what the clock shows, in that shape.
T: 8:49
